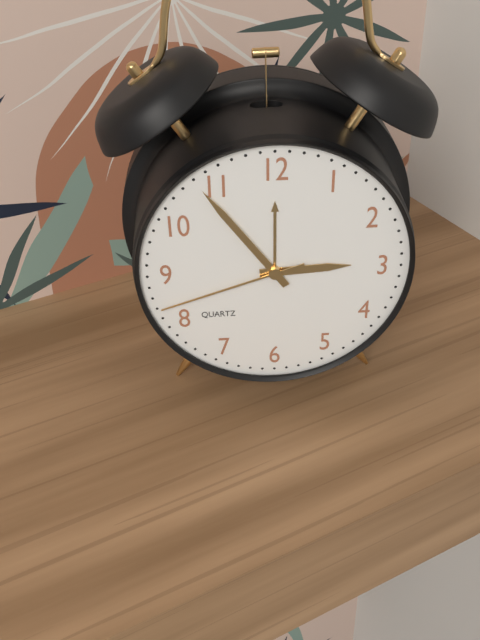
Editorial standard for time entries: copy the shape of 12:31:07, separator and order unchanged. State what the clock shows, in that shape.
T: 2:54:42
